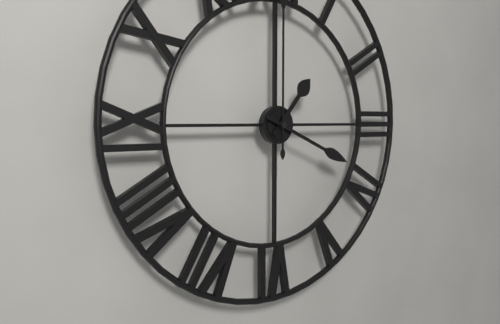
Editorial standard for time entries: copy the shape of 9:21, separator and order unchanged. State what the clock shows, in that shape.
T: 1:19
